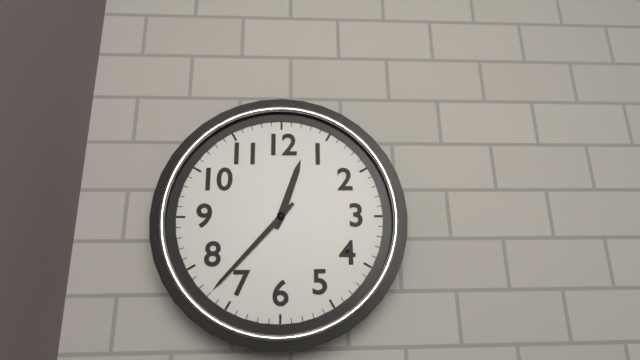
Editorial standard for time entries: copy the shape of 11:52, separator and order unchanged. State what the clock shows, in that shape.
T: 12:37
